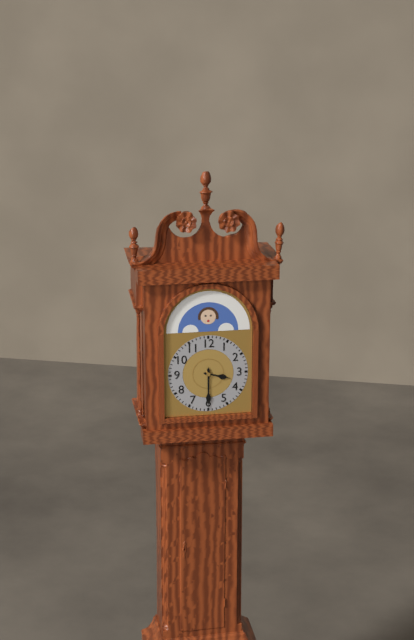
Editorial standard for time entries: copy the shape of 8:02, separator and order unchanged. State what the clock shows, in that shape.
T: 3:30
